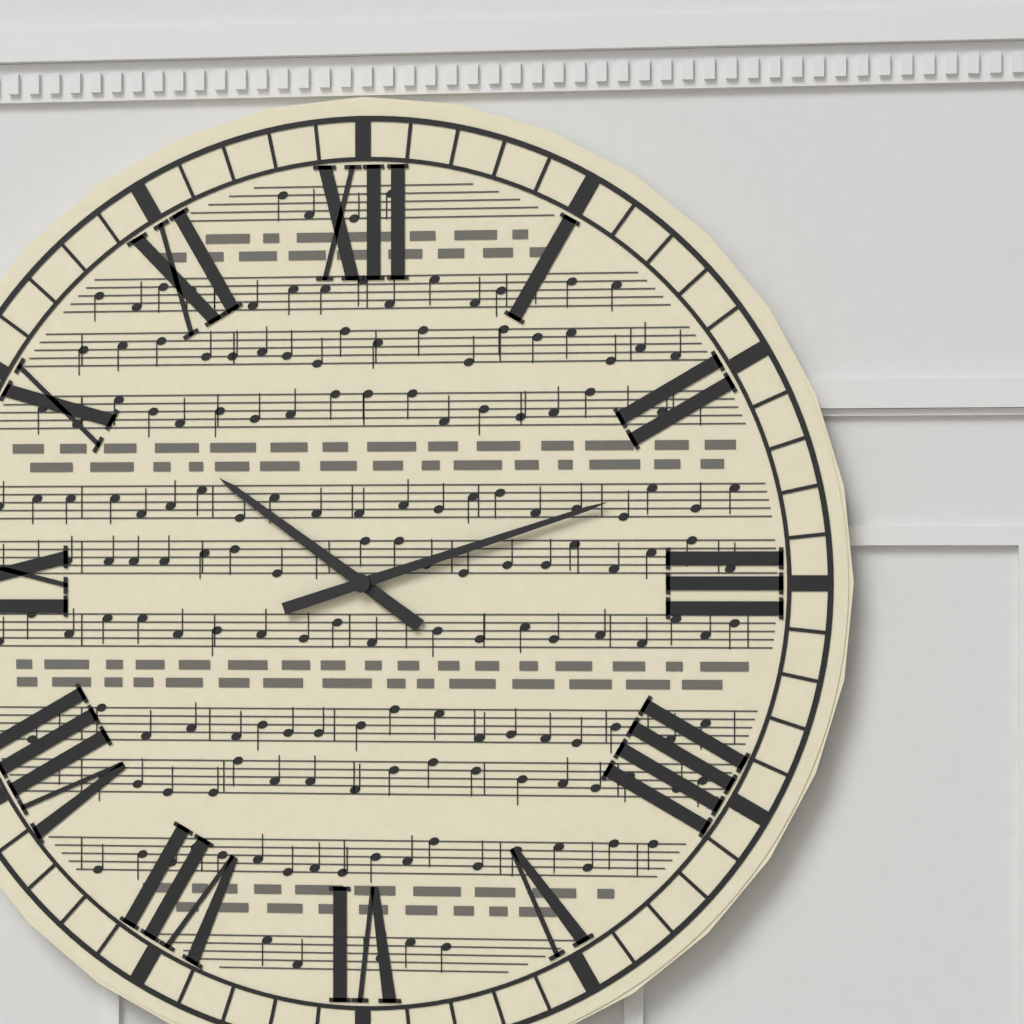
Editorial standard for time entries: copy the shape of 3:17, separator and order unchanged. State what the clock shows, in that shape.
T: 10:12
